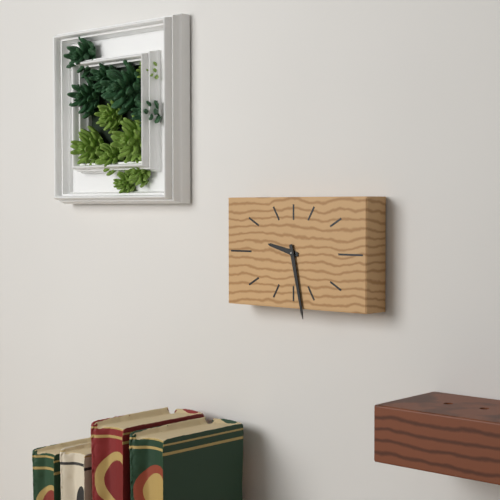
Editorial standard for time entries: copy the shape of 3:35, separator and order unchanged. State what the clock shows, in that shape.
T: 9:28
